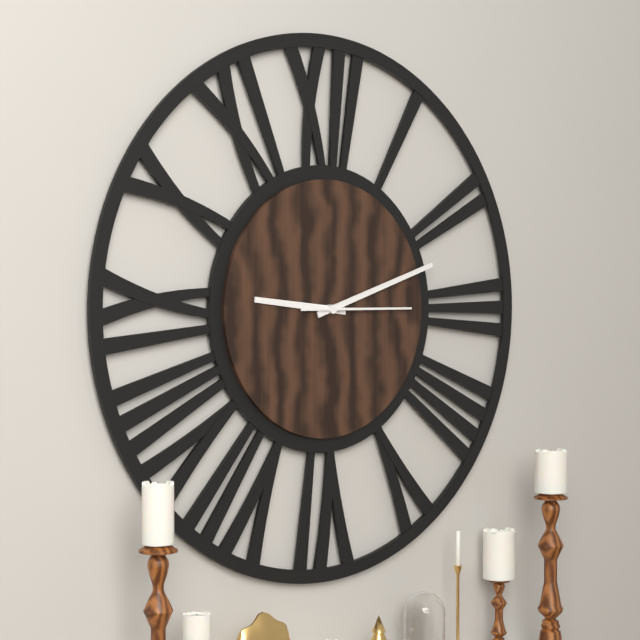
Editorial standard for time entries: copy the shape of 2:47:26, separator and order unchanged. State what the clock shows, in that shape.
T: 9:12:15
